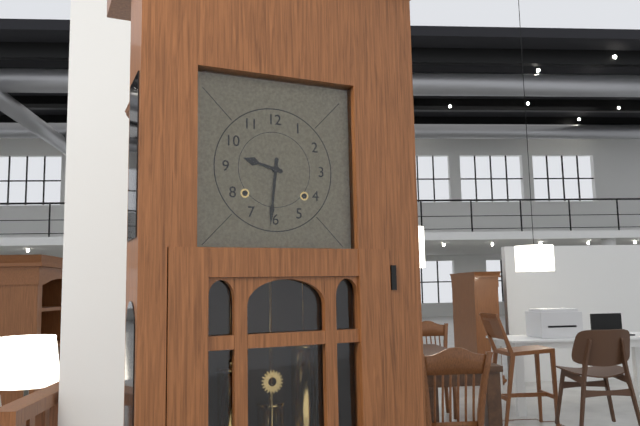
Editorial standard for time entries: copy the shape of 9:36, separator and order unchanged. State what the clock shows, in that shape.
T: 9:31
